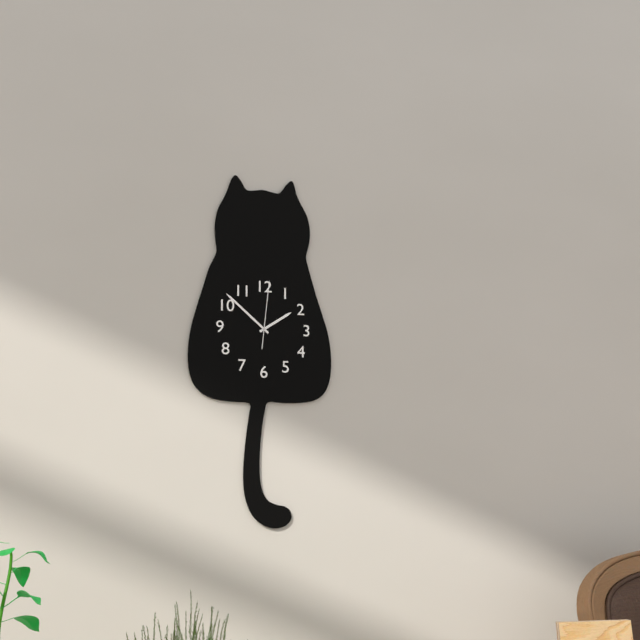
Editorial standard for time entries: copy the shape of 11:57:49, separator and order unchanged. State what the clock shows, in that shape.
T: 1:52:01
